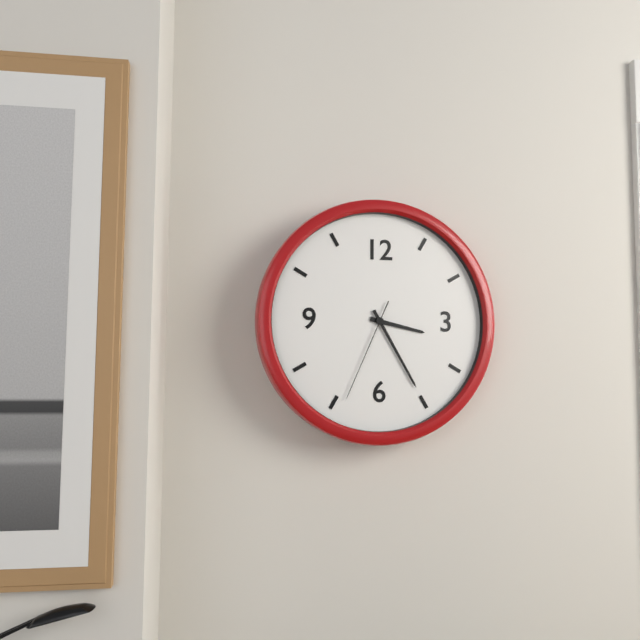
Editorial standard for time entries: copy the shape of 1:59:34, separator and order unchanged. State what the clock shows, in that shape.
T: 3:25:34
